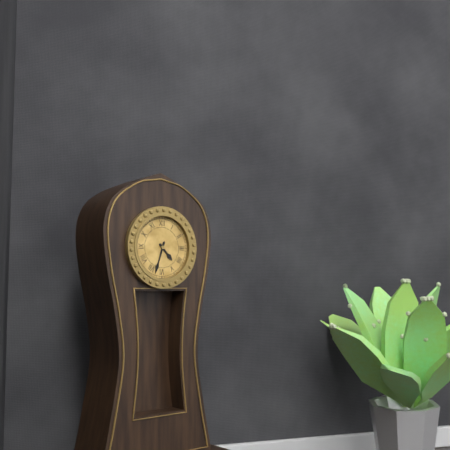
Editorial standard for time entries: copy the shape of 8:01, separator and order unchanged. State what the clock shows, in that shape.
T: 4:33
